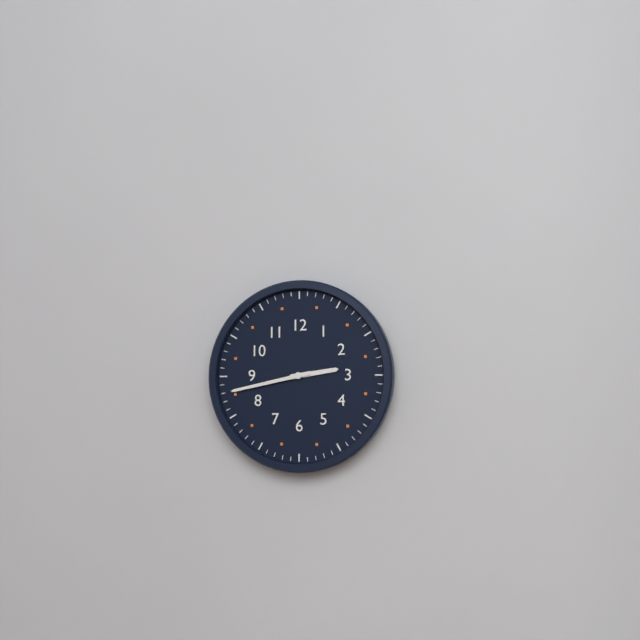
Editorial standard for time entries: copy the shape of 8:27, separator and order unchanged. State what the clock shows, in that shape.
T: 2:43
